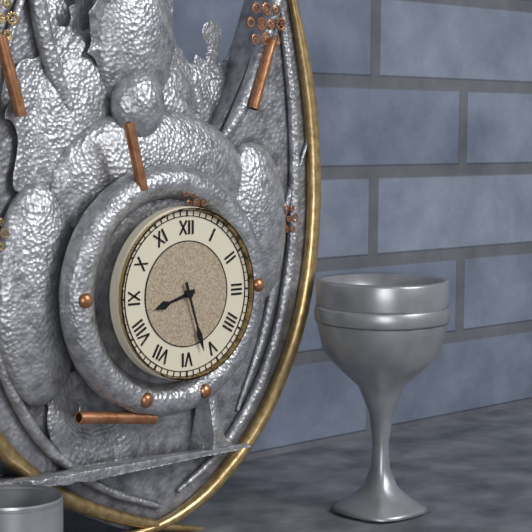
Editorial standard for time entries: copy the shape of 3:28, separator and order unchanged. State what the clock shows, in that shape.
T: 8:27
